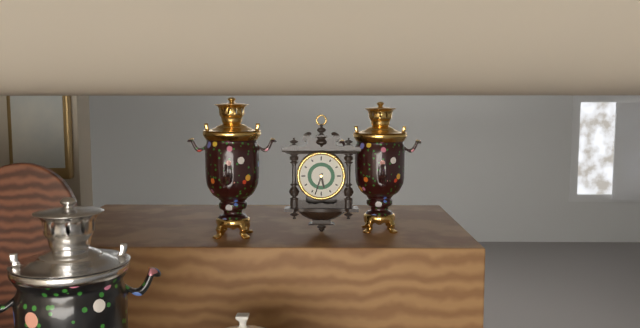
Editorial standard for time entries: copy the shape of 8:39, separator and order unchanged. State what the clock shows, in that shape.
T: 5:33
